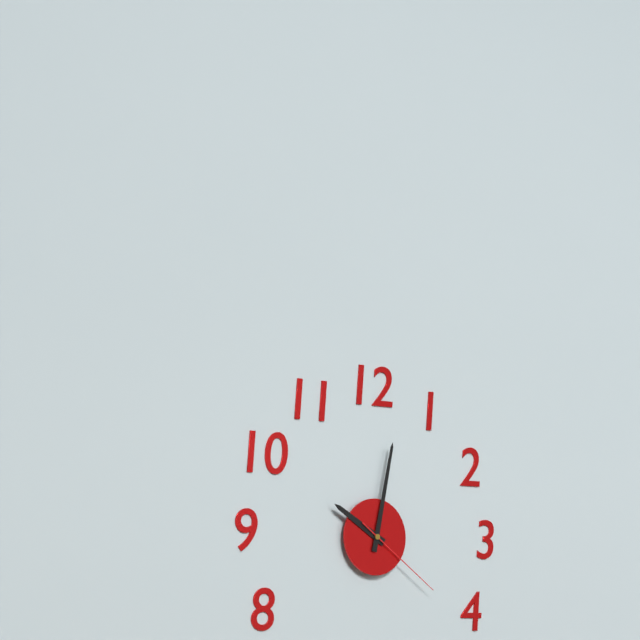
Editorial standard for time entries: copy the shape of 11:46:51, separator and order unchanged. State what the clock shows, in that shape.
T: 10:02:21
